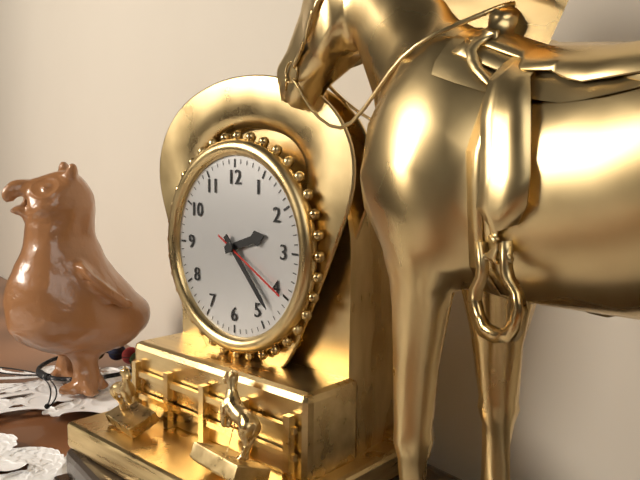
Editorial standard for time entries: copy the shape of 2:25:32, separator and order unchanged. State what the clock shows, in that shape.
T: 2:23:20
